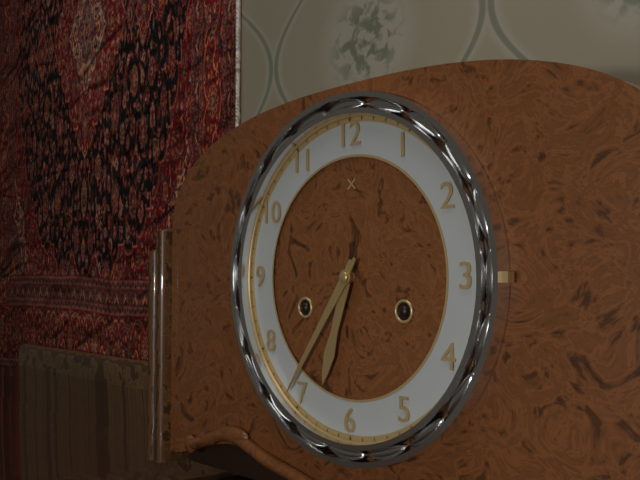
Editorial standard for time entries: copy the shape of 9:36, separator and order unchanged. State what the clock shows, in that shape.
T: 6:36
